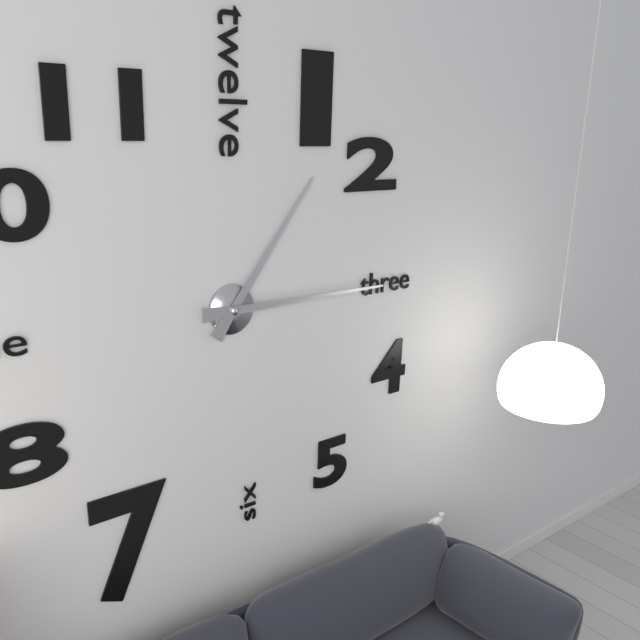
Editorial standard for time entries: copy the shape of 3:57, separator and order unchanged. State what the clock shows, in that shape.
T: 1:15
